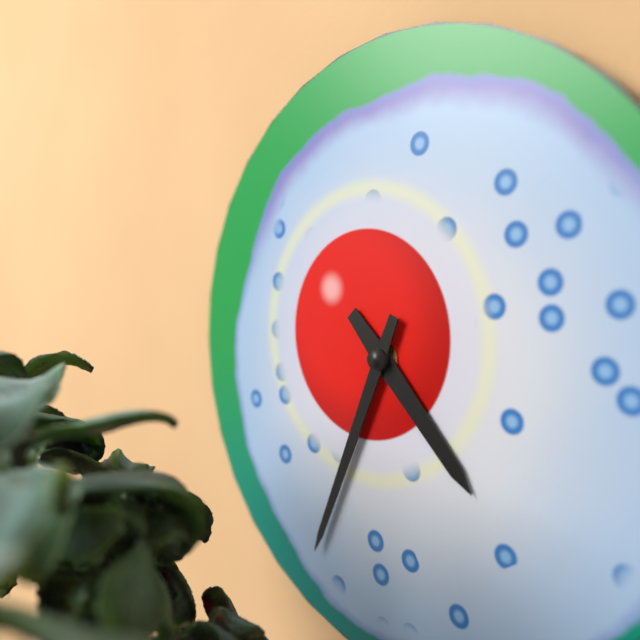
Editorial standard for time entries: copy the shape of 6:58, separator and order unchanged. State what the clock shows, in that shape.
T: 4:34
